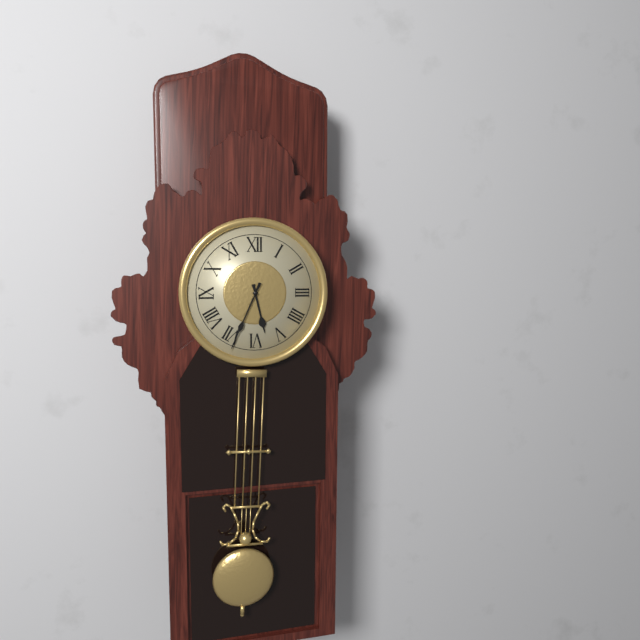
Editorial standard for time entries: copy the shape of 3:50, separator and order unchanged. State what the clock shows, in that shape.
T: 5:34
